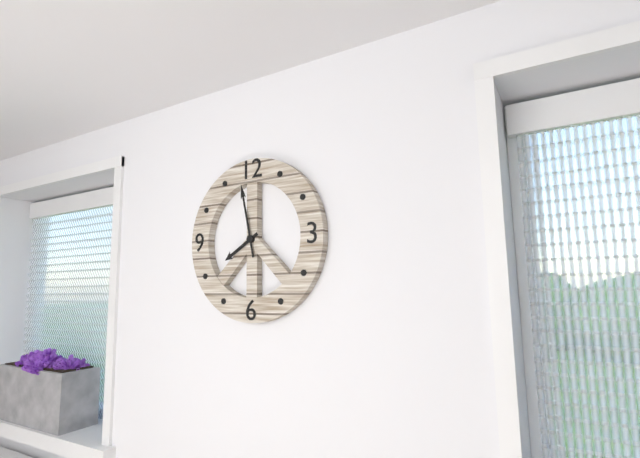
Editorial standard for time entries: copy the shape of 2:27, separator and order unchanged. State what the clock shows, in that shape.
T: 7:58
